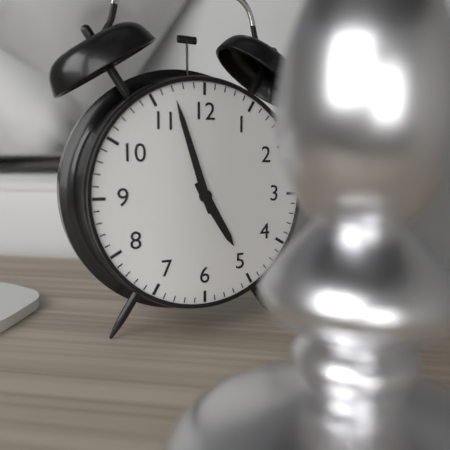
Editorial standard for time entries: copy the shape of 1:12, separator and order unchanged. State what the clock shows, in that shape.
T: 4:57
